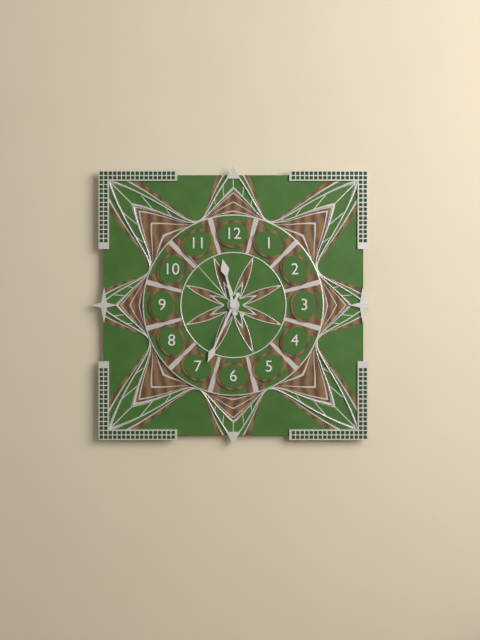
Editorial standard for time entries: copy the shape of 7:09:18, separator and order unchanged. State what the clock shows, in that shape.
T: 11:34:53
